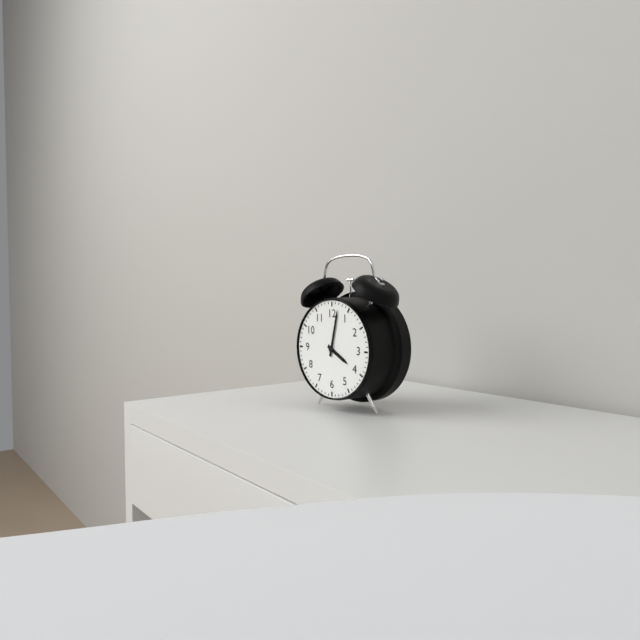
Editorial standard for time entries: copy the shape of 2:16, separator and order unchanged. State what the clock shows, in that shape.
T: 4:02
